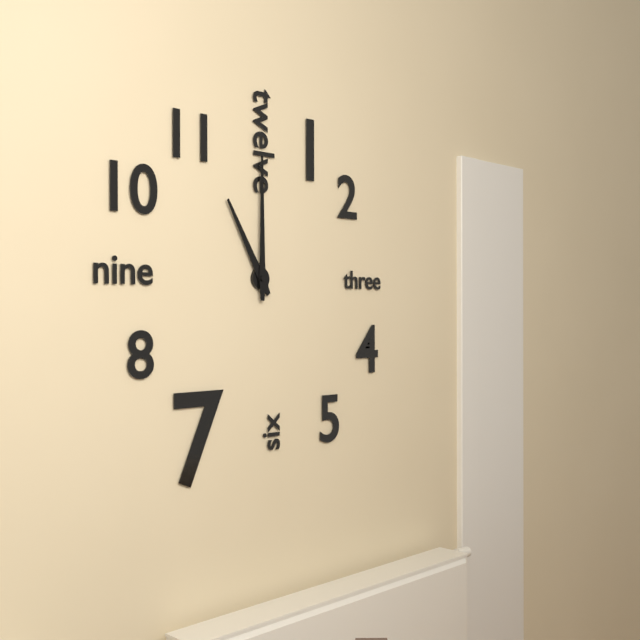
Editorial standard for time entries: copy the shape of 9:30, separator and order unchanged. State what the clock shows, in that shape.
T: 11:00
